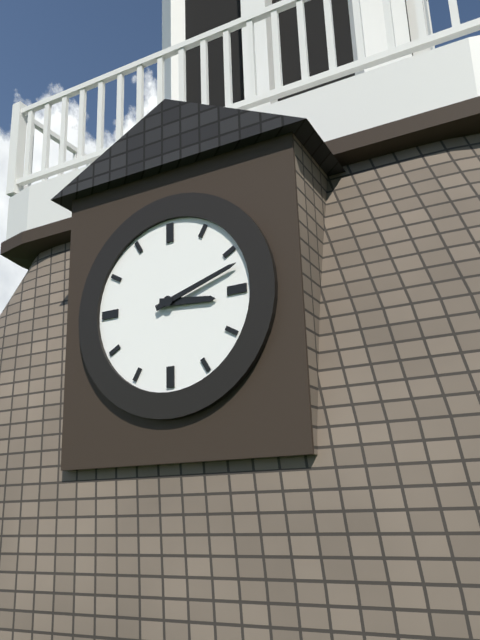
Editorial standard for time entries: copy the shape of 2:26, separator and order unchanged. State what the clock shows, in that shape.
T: 3:12
